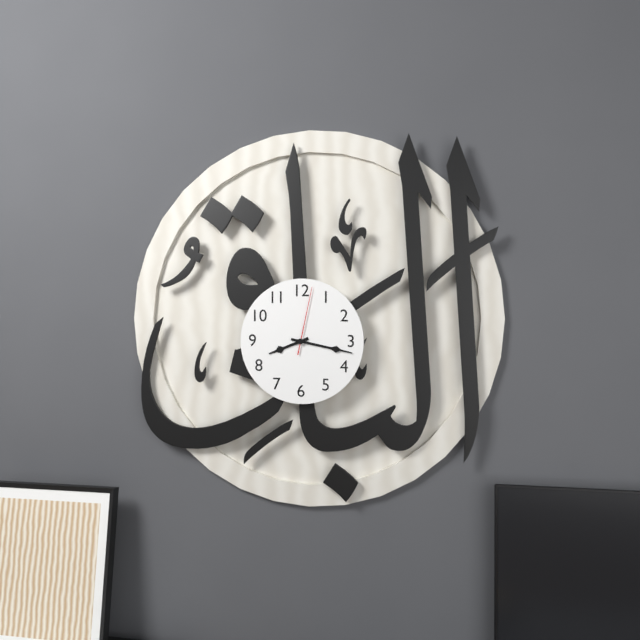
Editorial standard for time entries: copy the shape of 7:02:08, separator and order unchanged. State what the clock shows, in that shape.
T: 8:17:02
